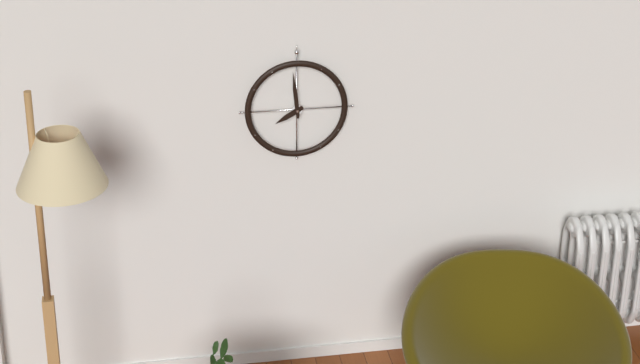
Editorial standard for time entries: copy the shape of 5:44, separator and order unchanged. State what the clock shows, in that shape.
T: 7:59
